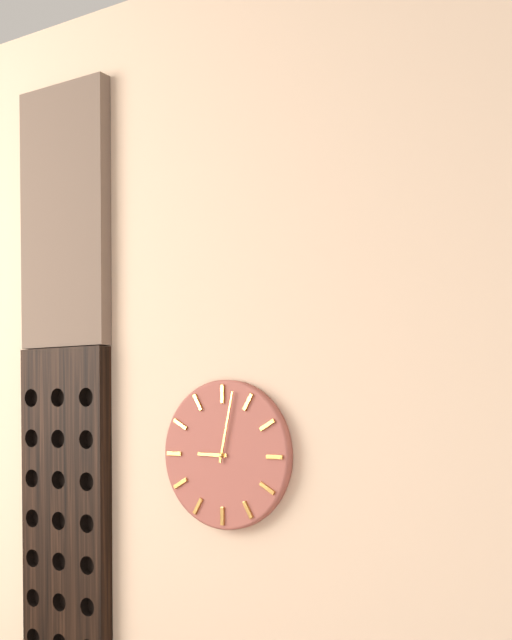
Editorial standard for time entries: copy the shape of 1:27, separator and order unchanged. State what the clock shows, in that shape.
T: 9:02
